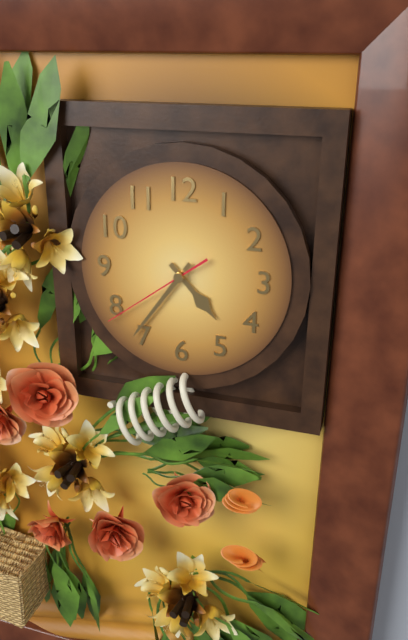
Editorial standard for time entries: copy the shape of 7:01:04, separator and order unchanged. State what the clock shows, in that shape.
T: 4:36:39
